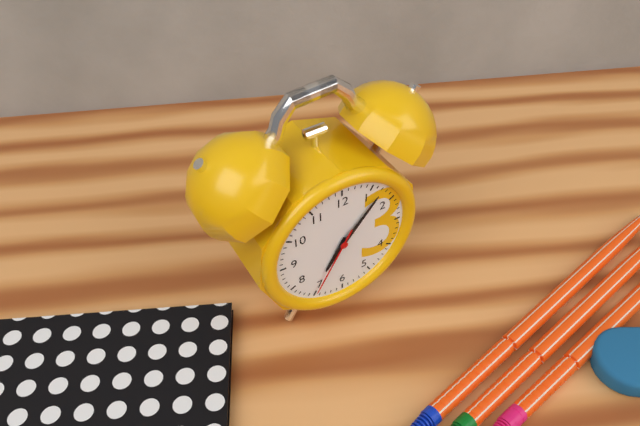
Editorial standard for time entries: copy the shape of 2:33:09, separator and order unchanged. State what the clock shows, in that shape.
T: 7:07:35
